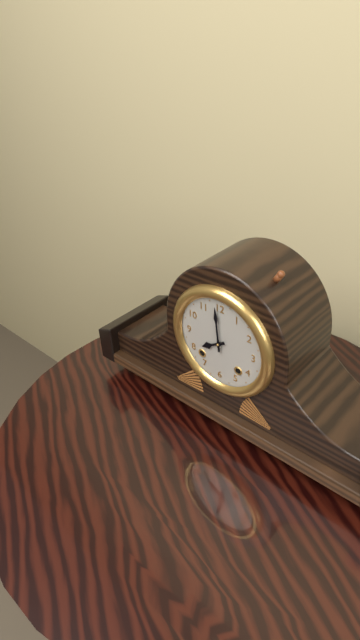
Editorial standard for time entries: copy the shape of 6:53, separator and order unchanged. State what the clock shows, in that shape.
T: 7:59
